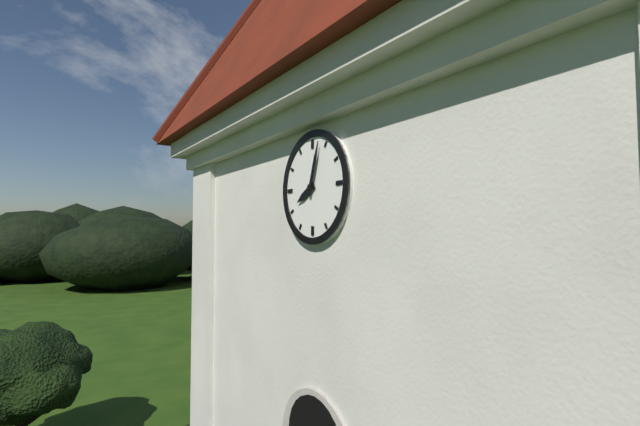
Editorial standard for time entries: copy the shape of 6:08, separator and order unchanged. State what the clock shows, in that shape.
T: 8:03
